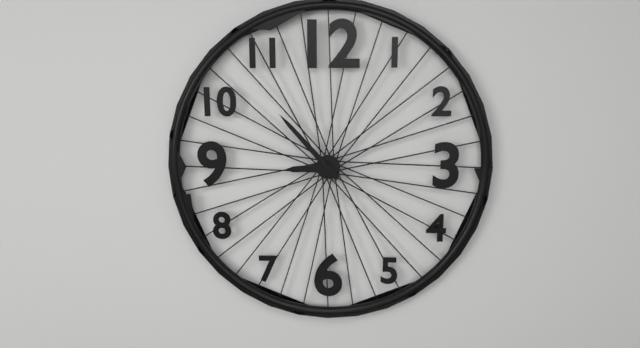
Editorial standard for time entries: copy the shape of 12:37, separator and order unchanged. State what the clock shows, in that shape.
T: 8:53
